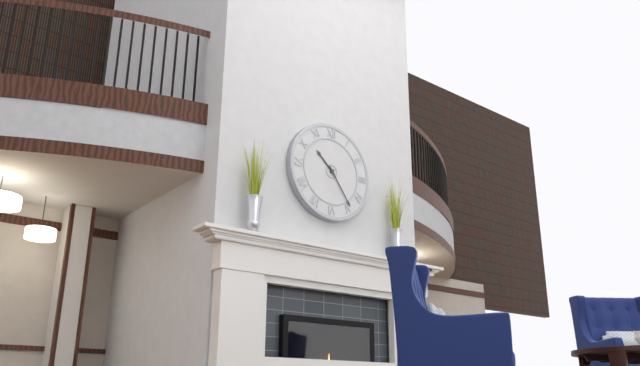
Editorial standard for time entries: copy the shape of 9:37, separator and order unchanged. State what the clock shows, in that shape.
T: 10:24
